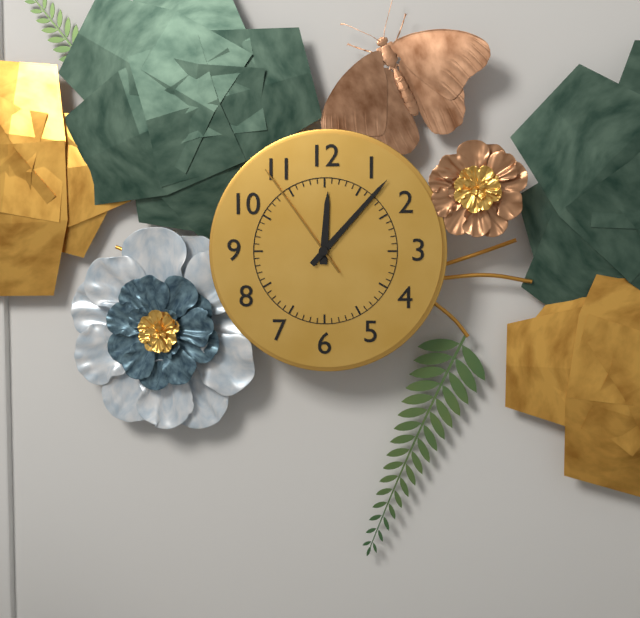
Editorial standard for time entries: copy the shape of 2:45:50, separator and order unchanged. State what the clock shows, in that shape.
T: 12:07:54
